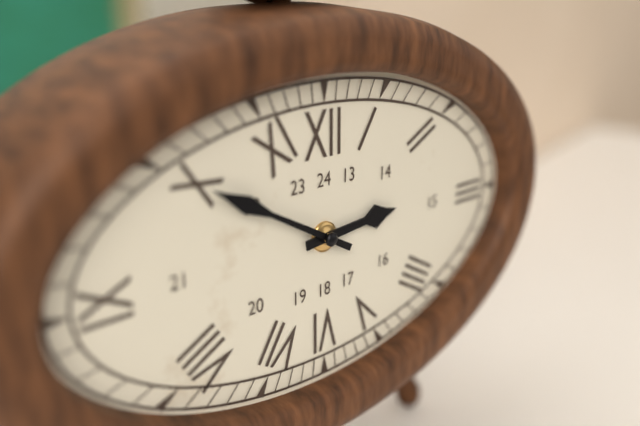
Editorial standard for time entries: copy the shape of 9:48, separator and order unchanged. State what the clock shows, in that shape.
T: 2:50
